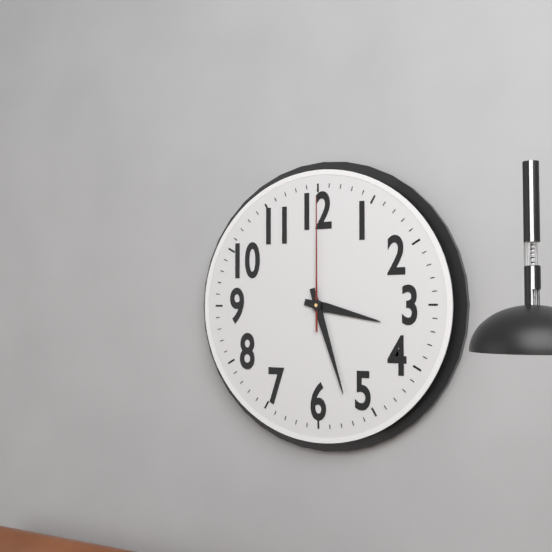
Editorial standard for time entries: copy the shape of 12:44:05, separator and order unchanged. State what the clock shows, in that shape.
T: 3:27:00
